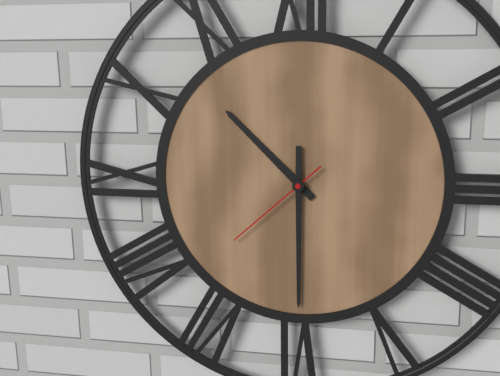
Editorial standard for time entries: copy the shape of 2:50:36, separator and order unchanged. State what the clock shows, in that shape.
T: 10:30:38
